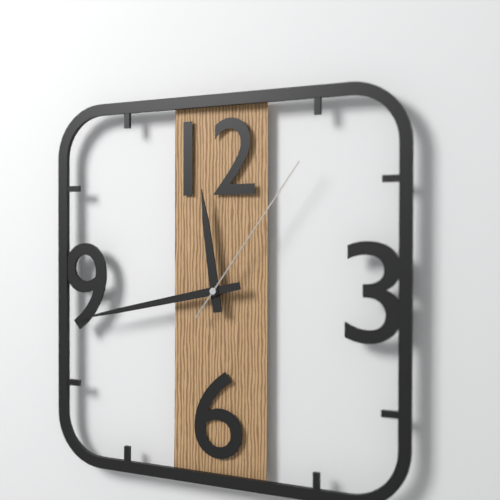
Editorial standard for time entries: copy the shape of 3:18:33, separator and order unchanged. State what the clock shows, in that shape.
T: 11:43:06
